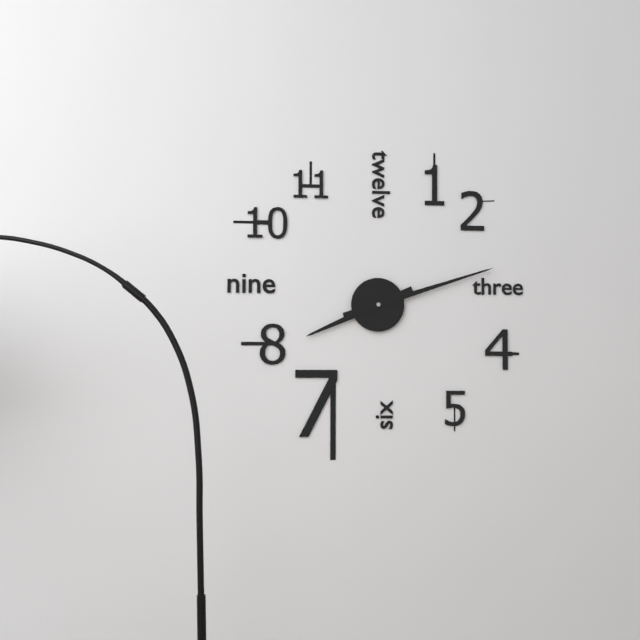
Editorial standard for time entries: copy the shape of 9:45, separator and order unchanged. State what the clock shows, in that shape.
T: 8:12
